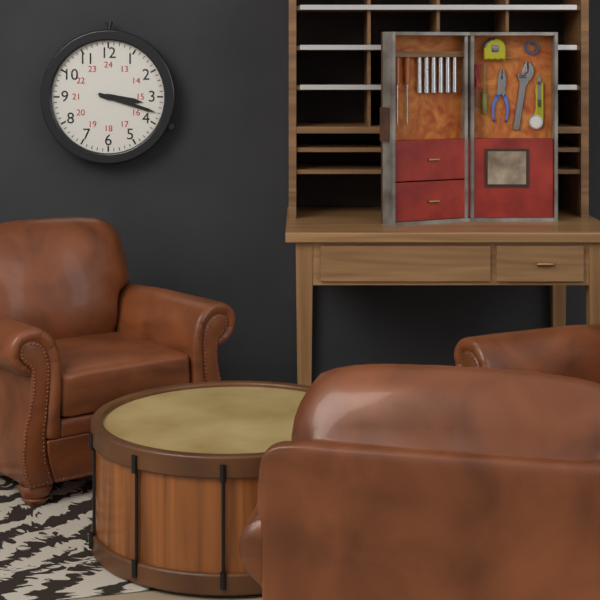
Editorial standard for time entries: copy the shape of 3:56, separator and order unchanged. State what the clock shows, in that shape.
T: 3:18
